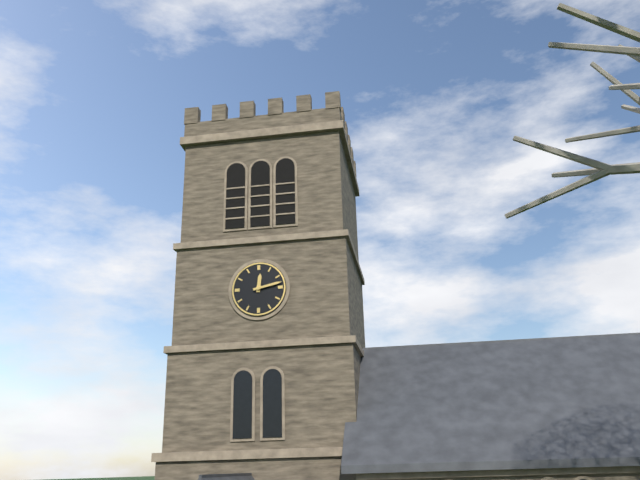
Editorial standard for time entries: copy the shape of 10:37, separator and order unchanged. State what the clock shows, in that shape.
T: 12:13
